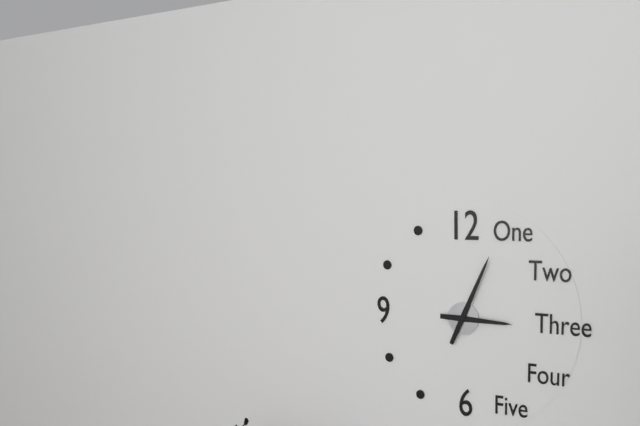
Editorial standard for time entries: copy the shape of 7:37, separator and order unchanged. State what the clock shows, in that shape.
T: 3:04
